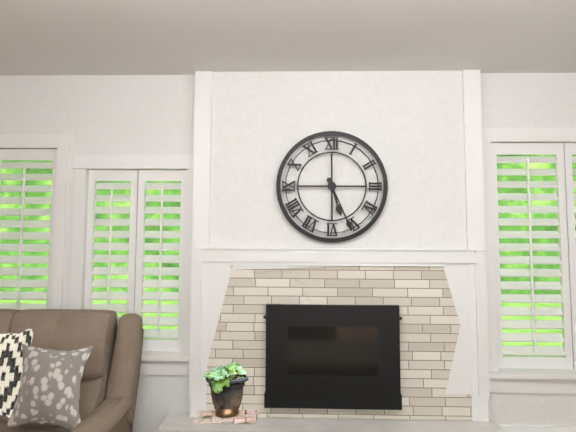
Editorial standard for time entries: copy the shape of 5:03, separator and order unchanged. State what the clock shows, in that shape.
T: 5:26
